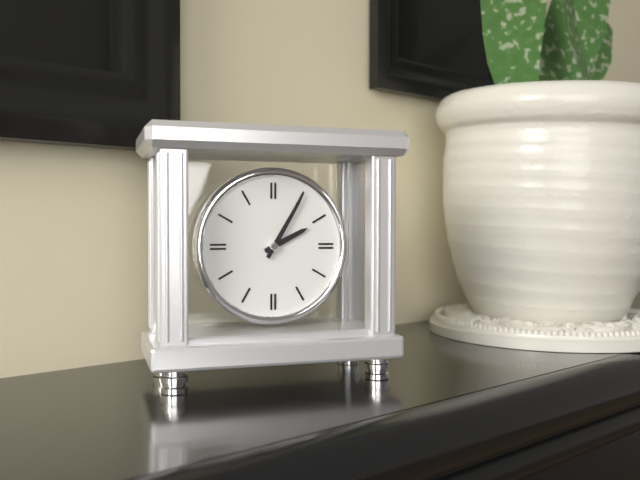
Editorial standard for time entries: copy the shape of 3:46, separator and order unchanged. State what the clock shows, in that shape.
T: 2:05
